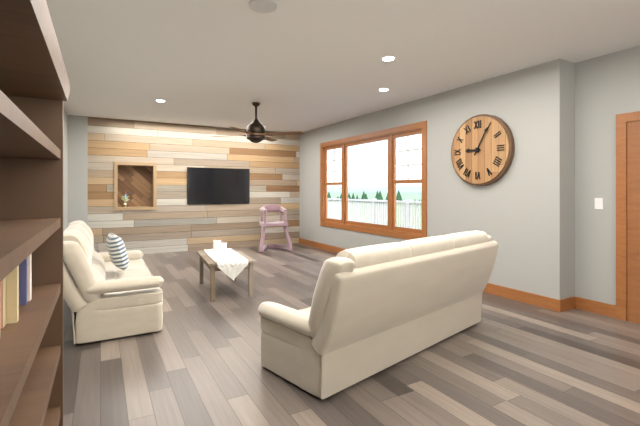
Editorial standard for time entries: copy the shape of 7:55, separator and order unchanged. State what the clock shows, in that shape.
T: 9:05
